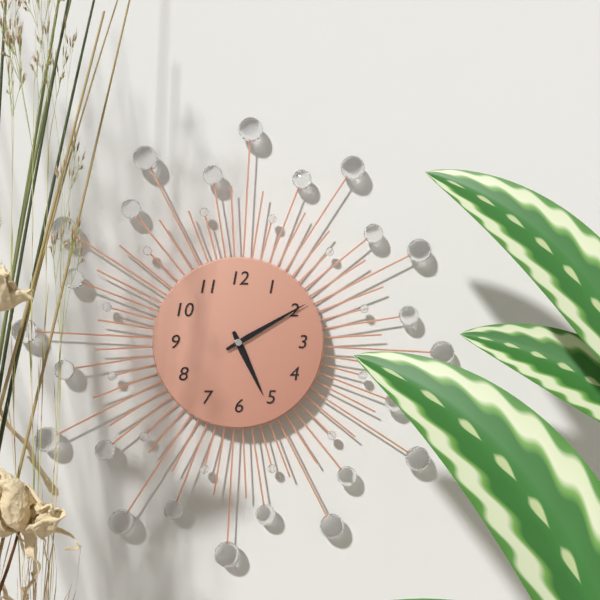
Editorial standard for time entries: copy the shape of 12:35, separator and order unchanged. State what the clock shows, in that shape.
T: 5:10
